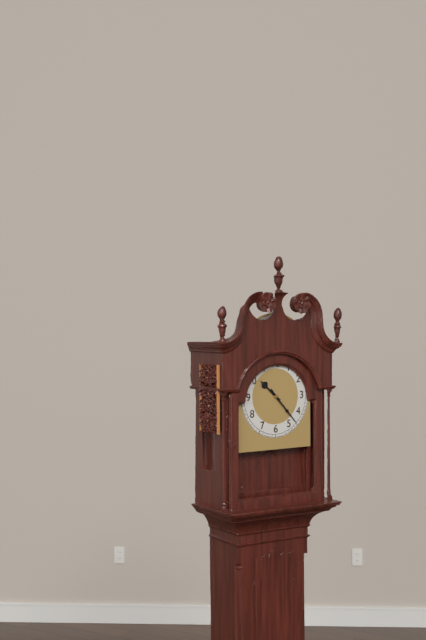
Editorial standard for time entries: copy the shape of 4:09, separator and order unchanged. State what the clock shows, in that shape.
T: 10:23
